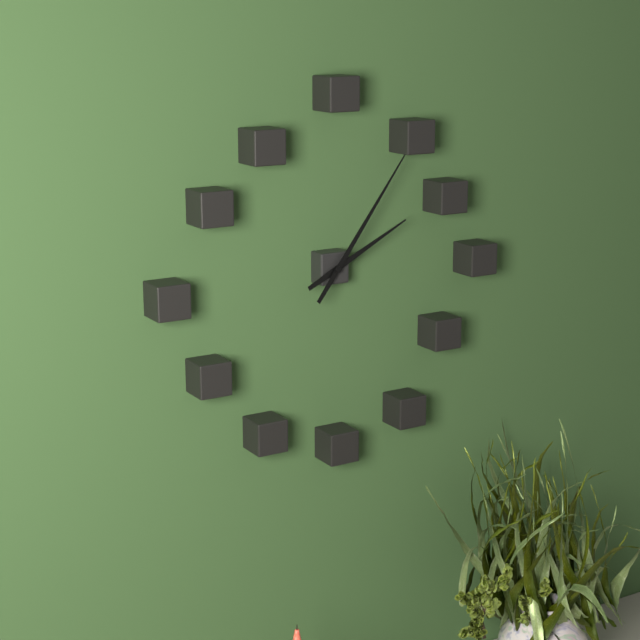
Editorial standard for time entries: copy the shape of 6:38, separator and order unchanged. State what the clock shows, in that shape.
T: 2:06
